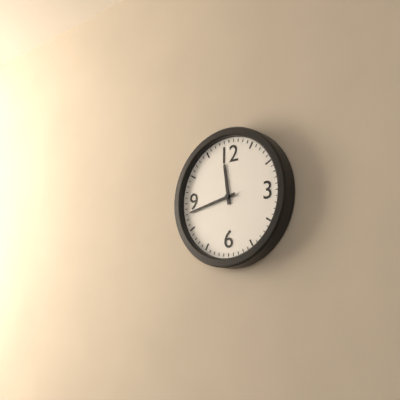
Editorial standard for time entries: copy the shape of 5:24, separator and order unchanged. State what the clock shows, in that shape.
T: 11:43
